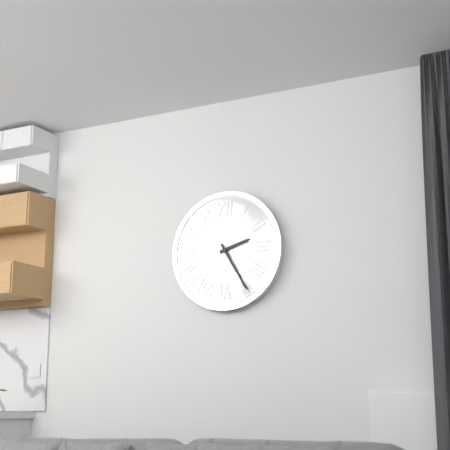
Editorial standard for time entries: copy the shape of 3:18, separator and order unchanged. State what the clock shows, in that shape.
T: 2:25
